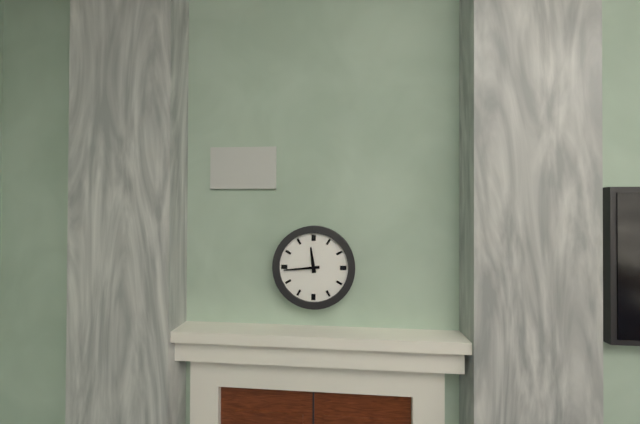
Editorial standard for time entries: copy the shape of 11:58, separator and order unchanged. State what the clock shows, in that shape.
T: 11:44
